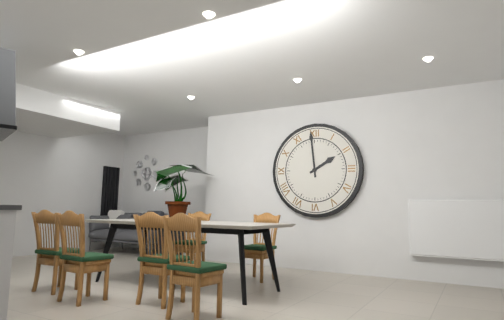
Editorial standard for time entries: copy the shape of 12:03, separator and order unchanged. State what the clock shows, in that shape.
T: 1:59
